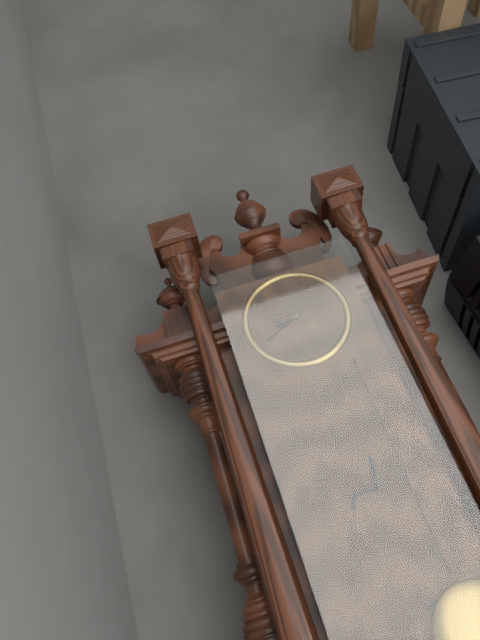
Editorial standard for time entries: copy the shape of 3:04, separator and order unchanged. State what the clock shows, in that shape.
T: 8:41
